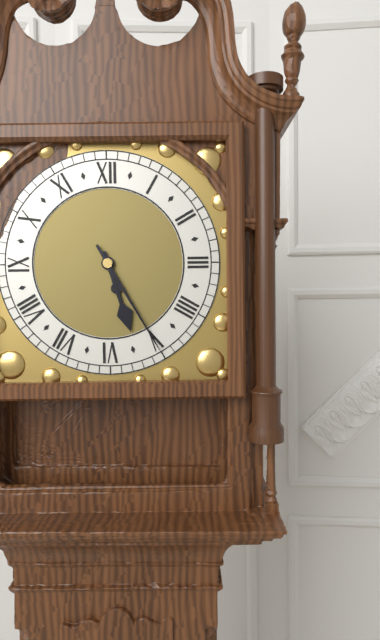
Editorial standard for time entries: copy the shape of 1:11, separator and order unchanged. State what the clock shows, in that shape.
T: 5:25
